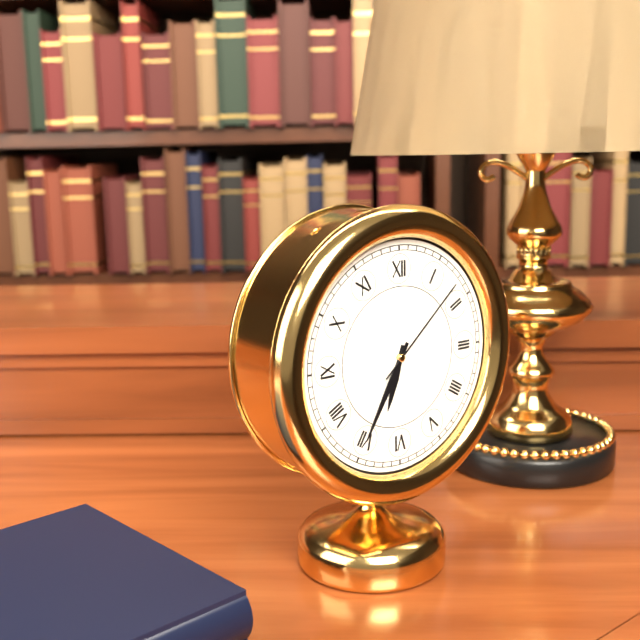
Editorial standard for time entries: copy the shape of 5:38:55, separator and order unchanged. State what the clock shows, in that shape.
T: 6:35:08
